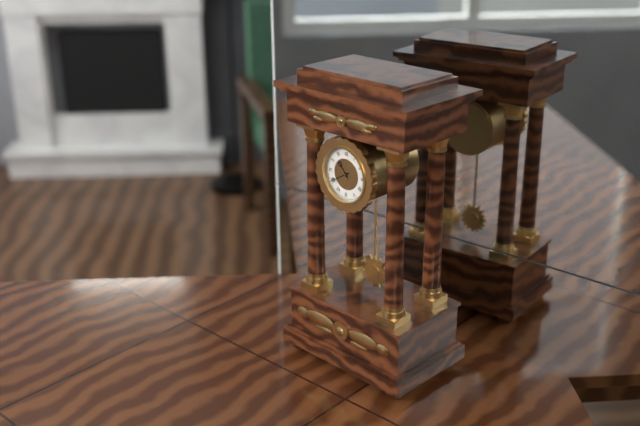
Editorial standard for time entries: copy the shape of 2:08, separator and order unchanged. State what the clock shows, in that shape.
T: 10:40
